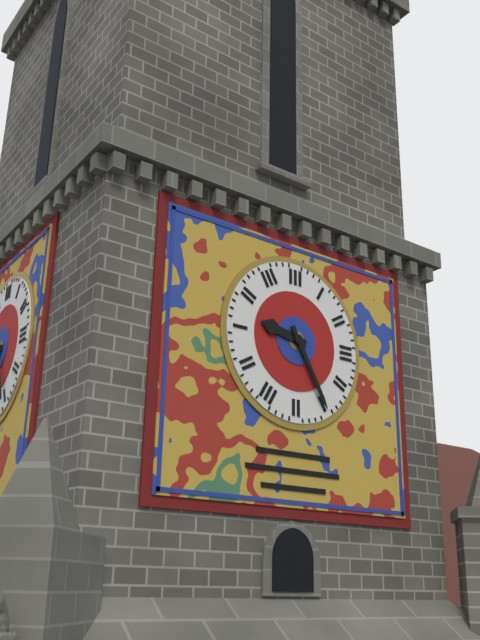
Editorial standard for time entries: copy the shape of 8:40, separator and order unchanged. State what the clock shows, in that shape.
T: 9:25
